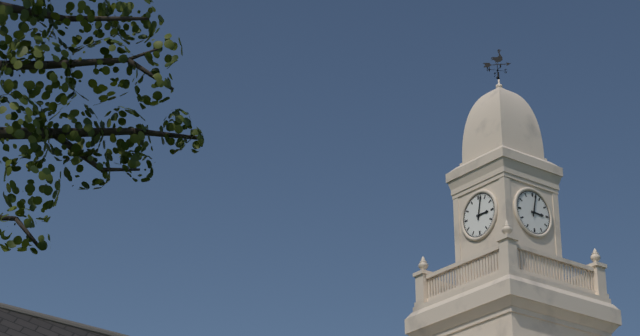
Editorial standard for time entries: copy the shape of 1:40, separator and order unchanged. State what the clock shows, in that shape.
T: 3:02
